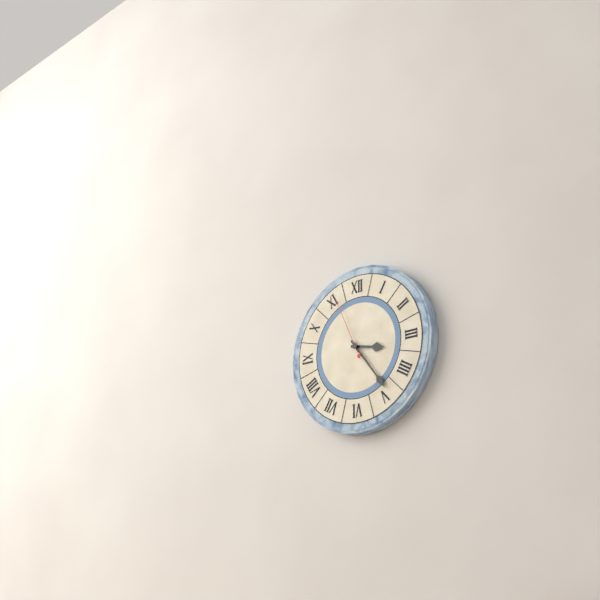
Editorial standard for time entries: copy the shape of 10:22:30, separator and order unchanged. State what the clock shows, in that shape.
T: 3:24:56
